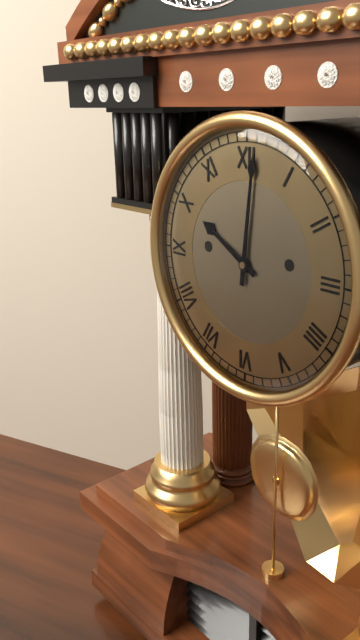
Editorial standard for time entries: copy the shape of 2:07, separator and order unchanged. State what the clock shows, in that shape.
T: 10:01
